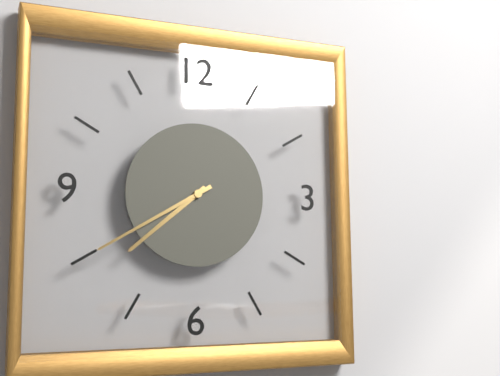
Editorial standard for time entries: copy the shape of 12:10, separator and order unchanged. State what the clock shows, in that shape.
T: 7:40
